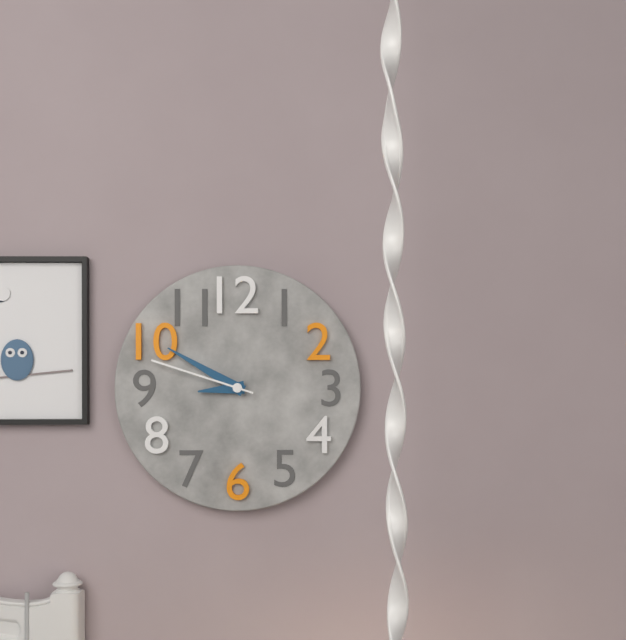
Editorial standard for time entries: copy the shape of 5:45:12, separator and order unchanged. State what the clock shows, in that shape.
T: 8:50:48
